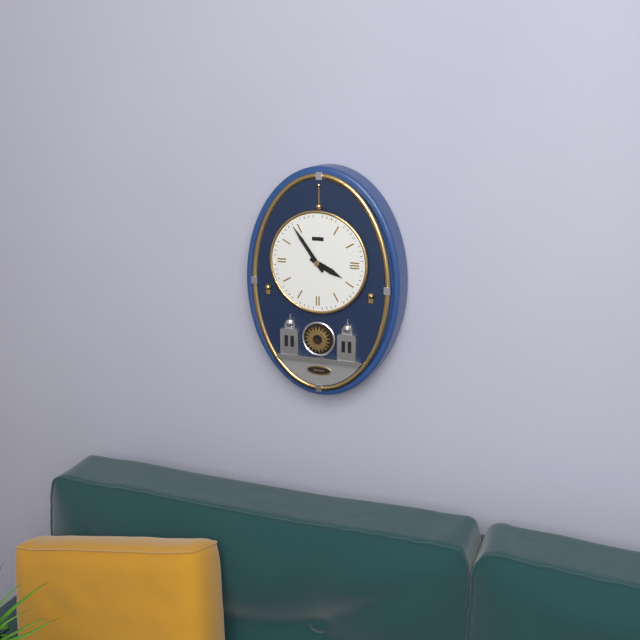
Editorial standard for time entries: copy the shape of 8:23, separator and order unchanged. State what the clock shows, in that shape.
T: 3:54
